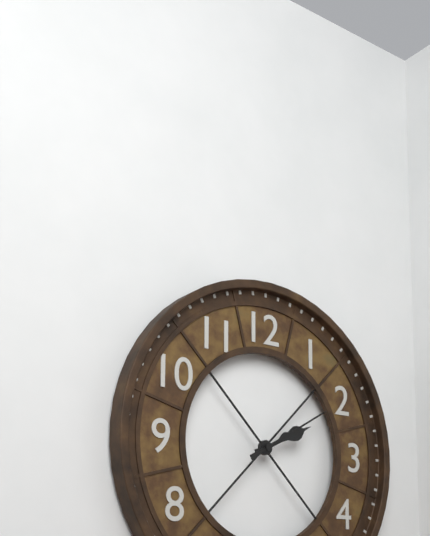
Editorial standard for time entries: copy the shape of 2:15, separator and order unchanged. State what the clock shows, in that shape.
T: 2:10
